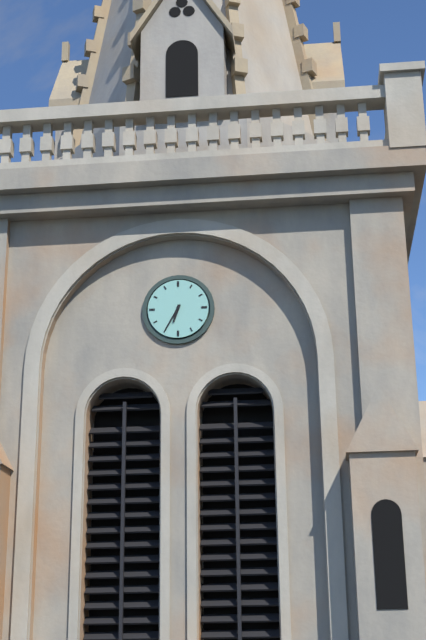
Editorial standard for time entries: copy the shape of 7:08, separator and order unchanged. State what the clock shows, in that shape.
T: 6:35
